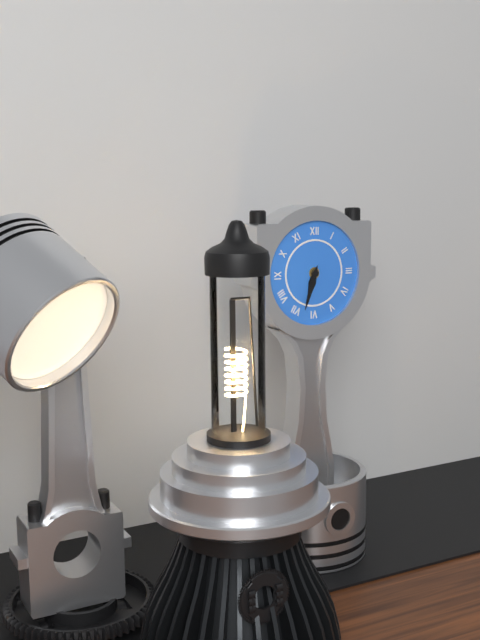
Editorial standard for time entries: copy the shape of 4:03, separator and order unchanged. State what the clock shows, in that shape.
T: 6:33
